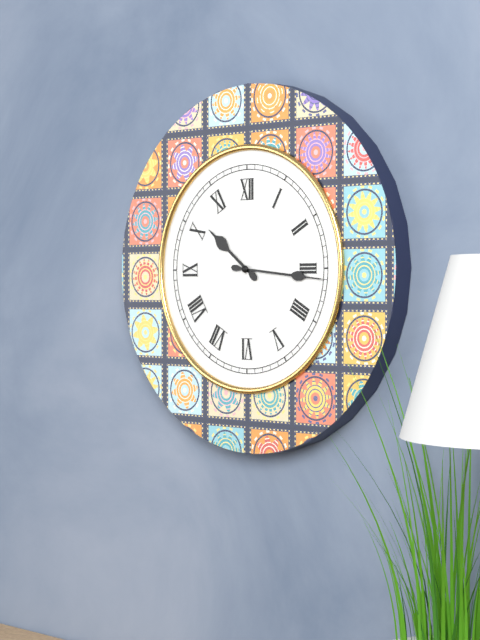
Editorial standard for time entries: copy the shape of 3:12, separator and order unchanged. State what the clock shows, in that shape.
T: 10:16
